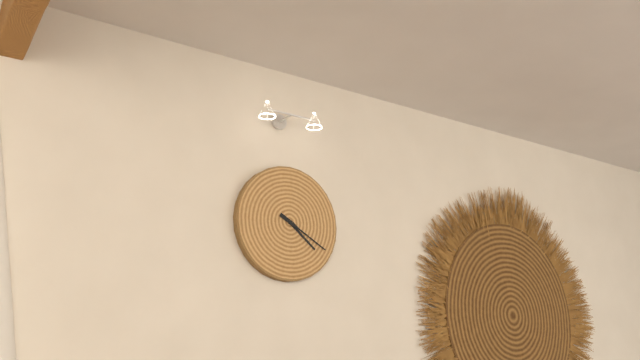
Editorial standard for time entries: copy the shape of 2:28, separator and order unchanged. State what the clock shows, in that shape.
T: 4:20
